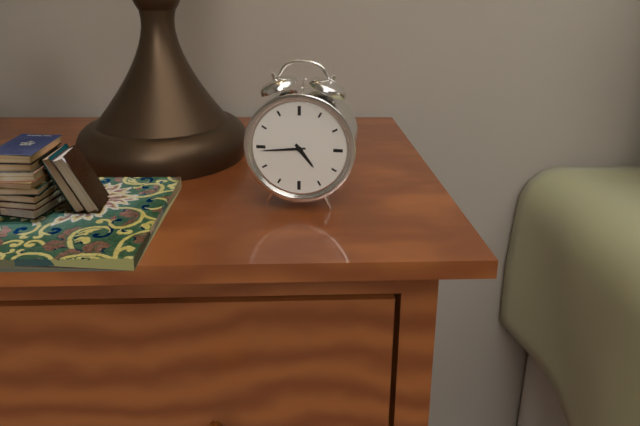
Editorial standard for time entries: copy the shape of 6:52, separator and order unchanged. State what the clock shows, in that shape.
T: 4:44
